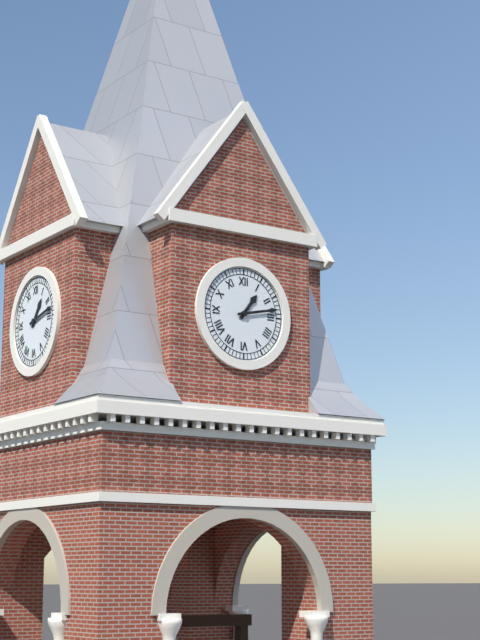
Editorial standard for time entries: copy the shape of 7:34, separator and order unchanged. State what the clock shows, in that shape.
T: 1:13
